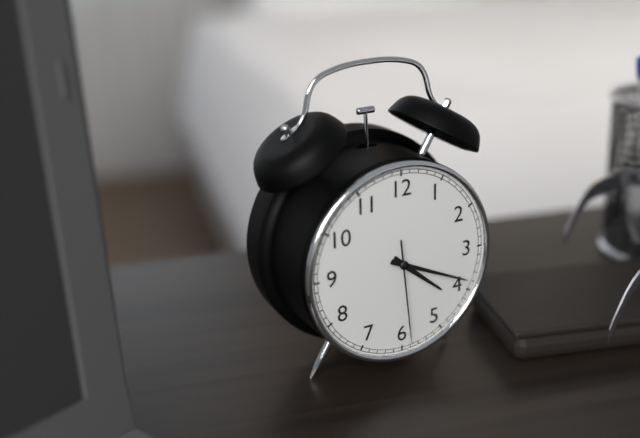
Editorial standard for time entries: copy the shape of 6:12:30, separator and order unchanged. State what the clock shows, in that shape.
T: 4:19:29
